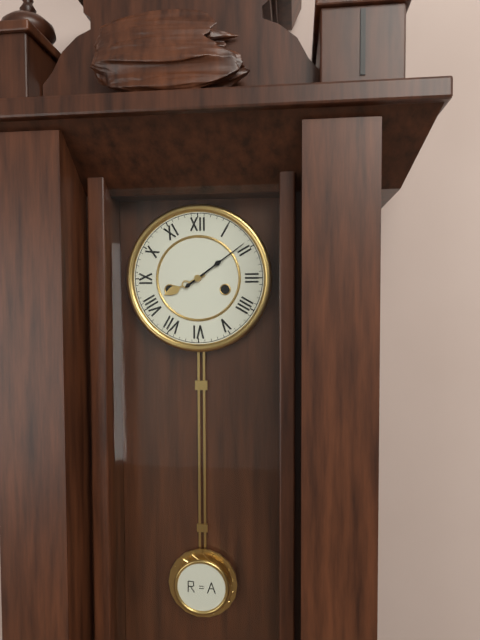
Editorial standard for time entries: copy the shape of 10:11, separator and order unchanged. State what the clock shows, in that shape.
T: 8:09
